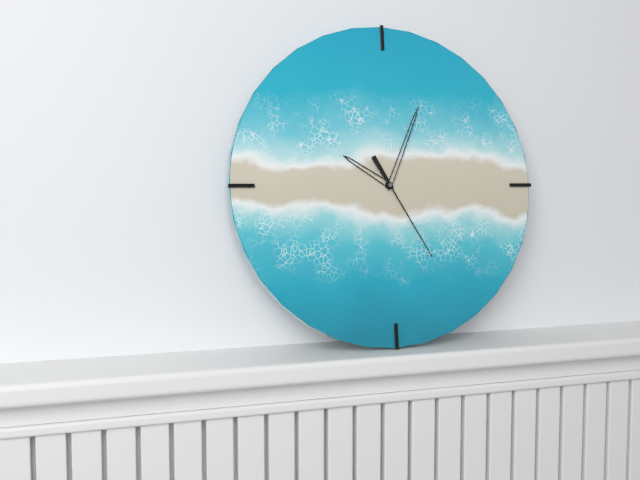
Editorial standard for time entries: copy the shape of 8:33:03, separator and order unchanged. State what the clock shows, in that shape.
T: 10:04:25
